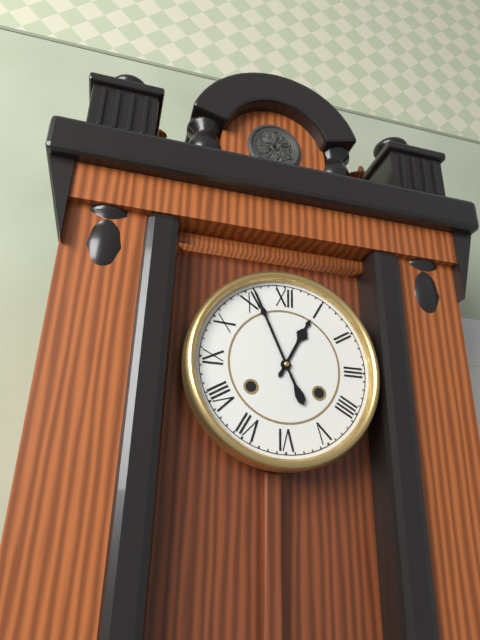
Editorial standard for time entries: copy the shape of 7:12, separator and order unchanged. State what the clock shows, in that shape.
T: 12:56
